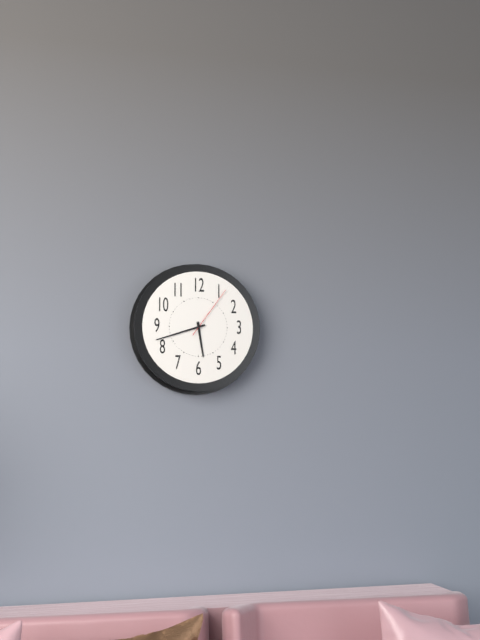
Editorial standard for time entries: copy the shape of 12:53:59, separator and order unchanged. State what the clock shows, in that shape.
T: 5:42:06
